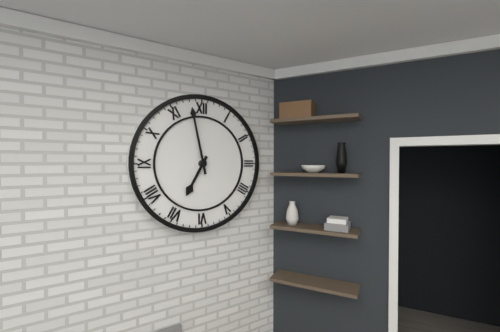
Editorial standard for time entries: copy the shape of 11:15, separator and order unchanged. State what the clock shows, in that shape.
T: 6:58
